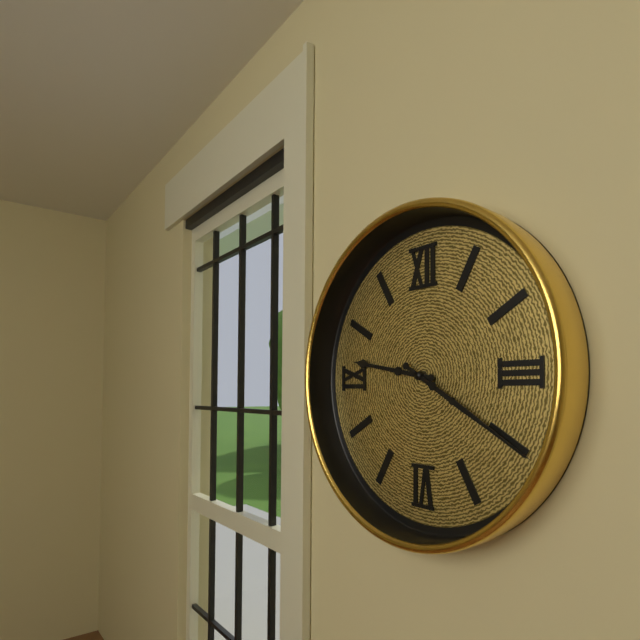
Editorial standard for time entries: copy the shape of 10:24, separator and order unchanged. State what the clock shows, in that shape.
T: 9:20
